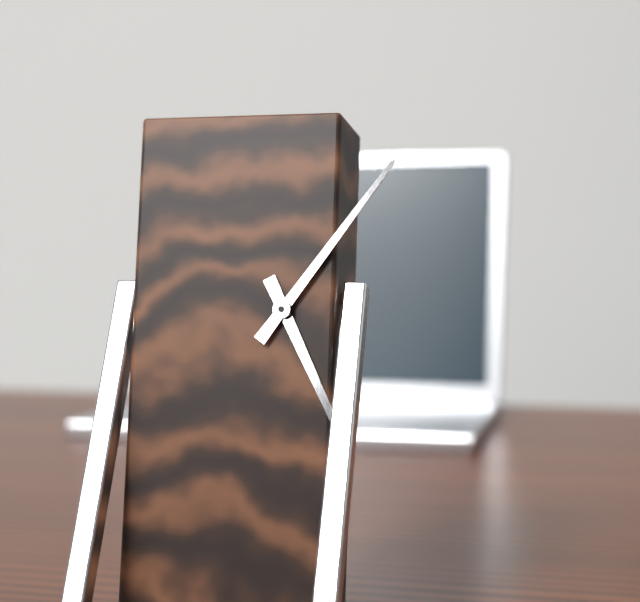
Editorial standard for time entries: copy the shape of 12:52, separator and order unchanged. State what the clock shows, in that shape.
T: 5:06
